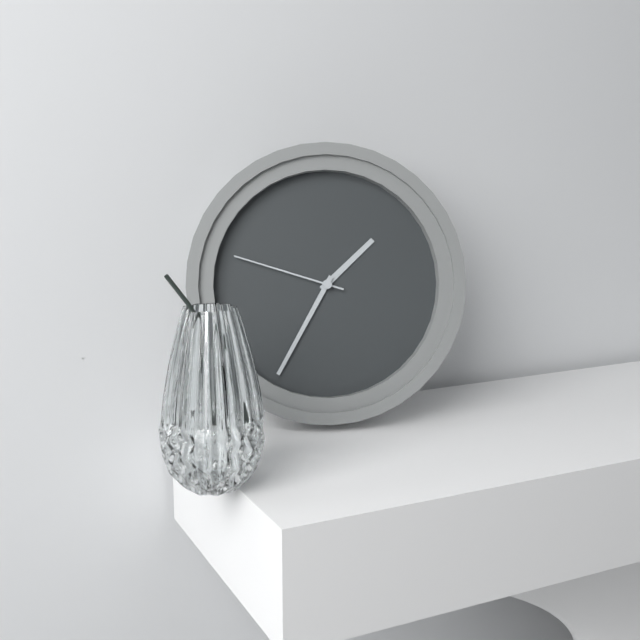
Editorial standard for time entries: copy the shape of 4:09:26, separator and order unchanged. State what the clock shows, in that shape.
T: 1:35:48
